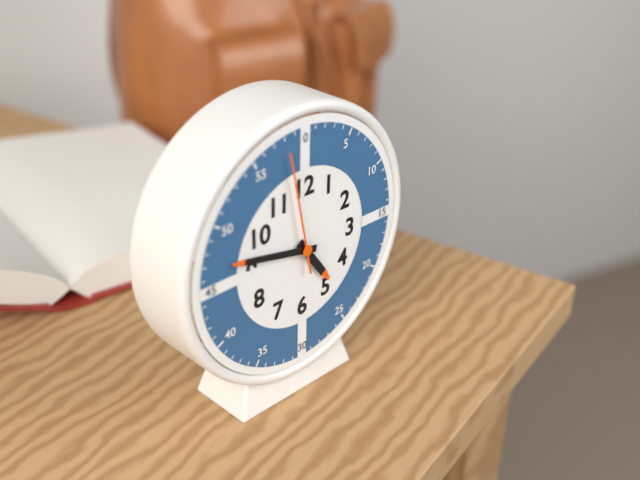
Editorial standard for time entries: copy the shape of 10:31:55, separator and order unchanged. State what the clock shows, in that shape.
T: 4:47:58
